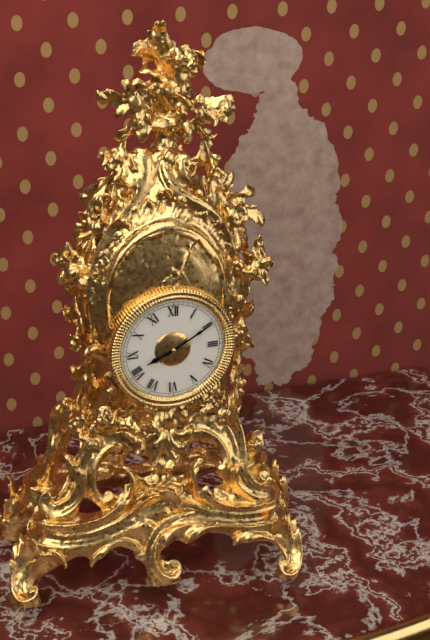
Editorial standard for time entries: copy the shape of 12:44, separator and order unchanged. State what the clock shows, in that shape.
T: 8:10
